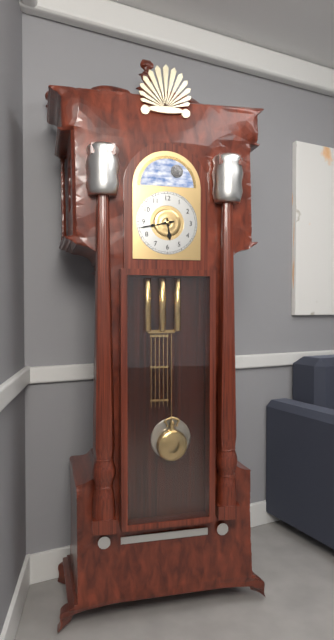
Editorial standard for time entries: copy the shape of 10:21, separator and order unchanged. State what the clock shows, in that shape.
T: 5:43
